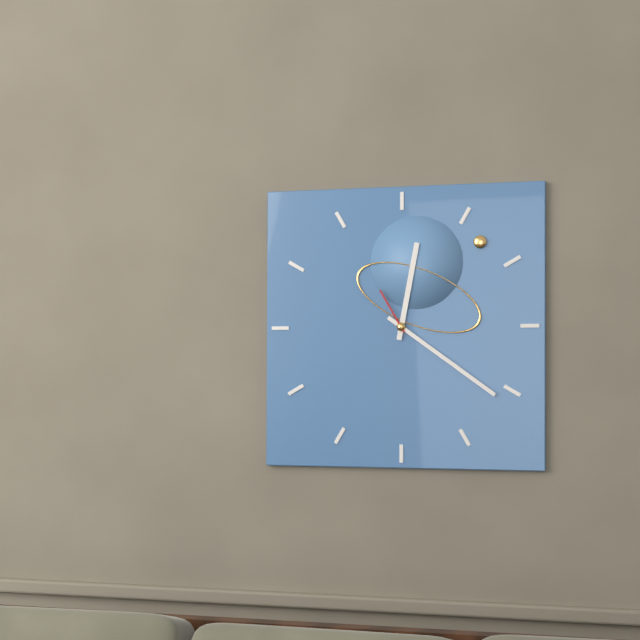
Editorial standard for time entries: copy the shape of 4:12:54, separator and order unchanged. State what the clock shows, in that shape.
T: 12:21:55
